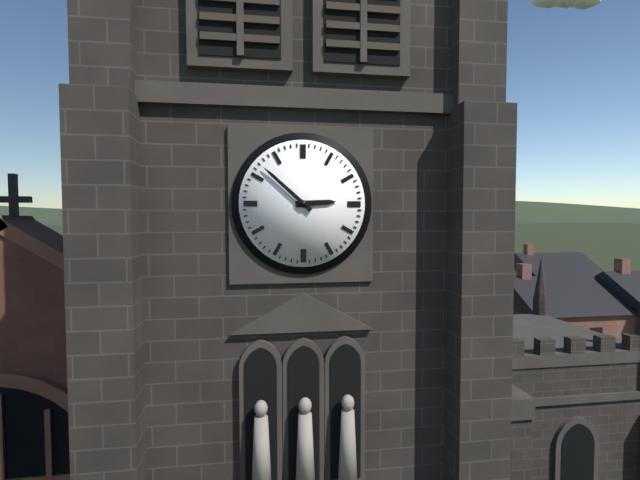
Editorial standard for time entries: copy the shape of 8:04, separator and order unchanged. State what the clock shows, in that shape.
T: 2:52
